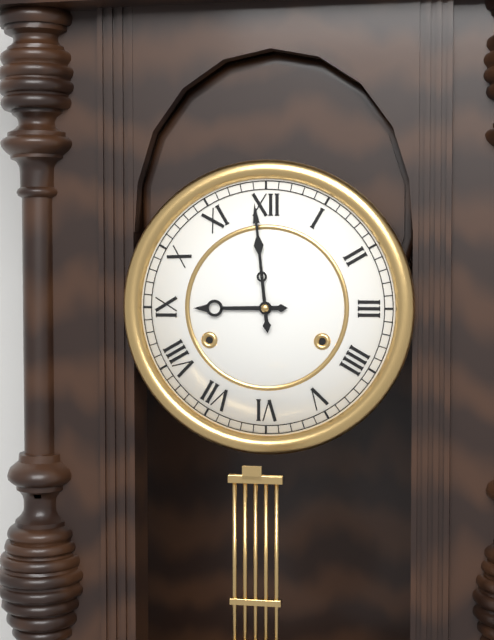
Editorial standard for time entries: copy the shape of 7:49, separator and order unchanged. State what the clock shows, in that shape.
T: 8:59
